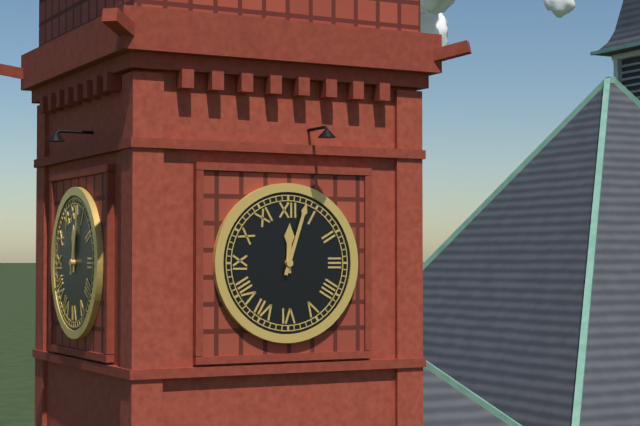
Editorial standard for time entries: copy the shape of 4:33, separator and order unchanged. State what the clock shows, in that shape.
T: 12:03
